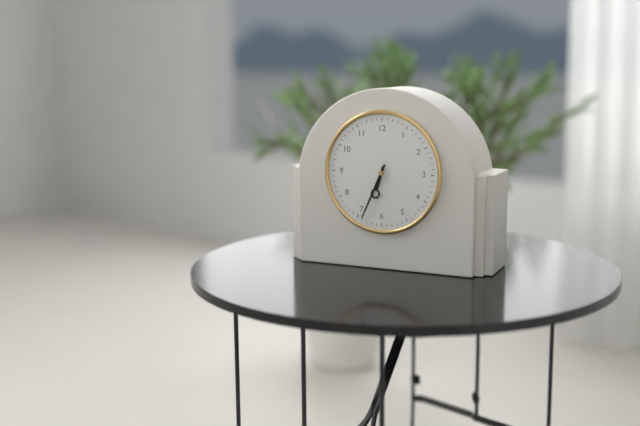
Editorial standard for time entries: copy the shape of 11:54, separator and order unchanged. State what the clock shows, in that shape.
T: 6:34
